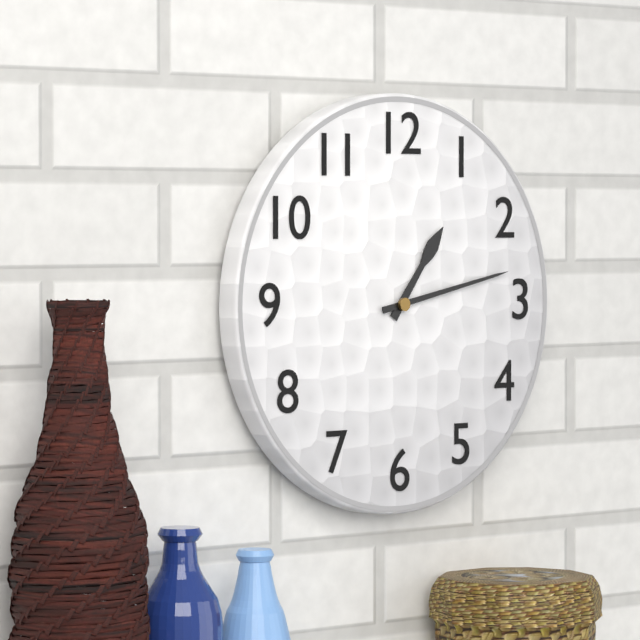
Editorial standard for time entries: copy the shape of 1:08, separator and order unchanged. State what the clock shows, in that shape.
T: 1:13
